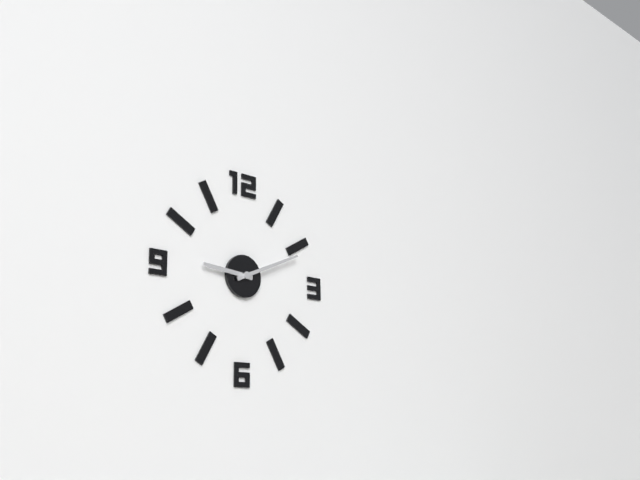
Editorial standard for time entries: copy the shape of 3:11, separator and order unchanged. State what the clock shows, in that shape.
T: 9:11
